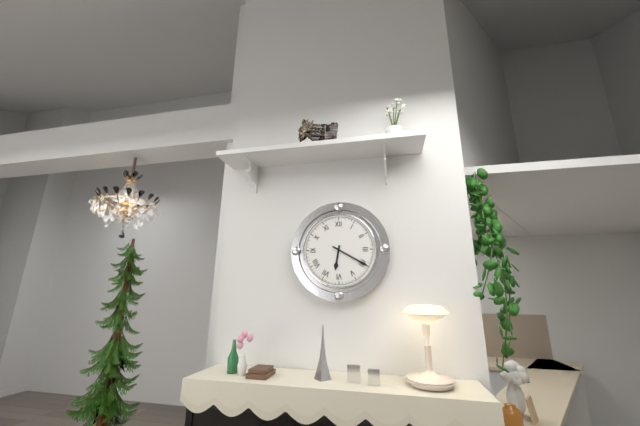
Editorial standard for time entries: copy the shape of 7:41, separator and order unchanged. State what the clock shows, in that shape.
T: 6:20
